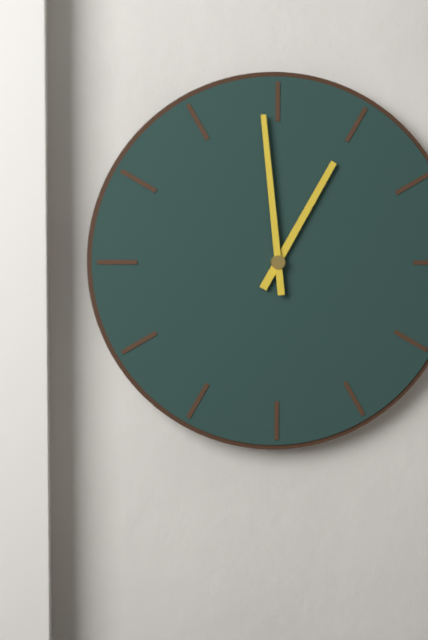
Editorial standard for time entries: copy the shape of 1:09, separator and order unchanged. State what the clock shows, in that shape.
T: 12:59
